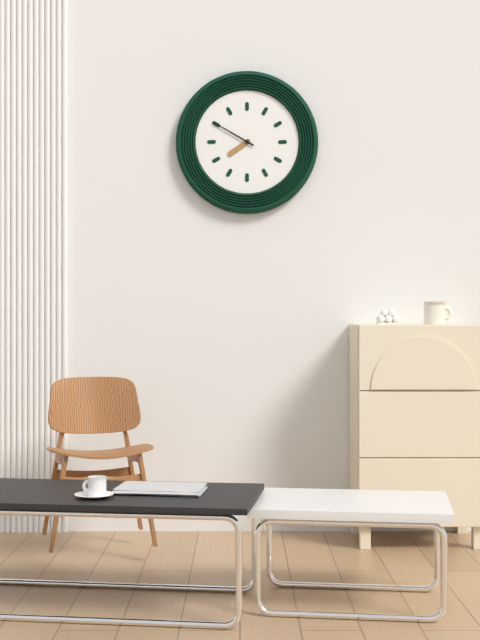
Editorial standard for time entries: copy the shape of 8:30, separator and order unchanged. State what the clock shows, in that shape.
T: 7:50
